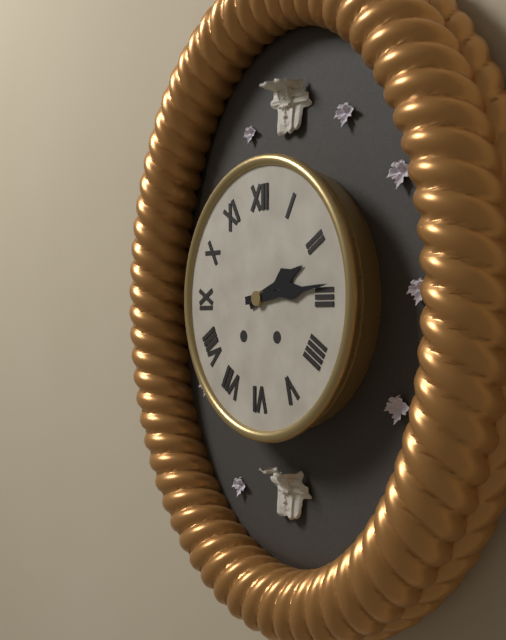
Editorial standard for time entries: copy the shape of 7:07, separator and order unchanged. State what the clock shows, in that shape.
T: 2:14
